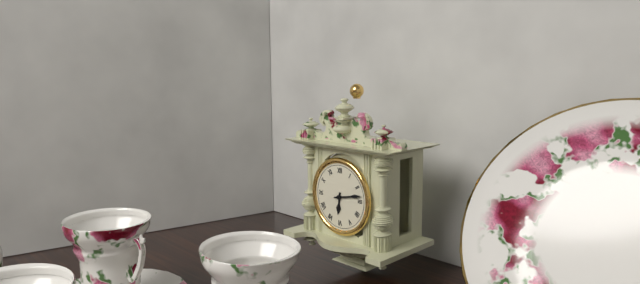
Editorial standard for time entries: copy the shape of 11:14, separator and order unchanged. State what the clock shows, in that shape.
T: 6:13
